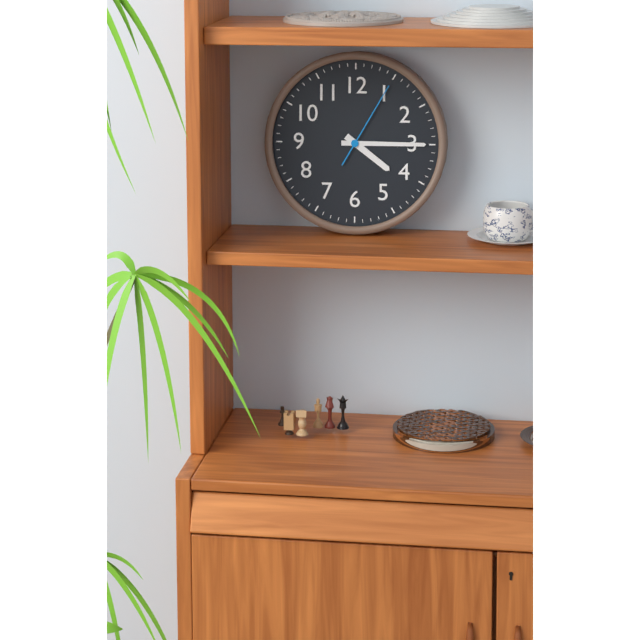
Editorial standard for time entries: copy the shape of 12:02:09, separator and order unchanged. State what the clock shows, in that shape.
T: 4:15:05
